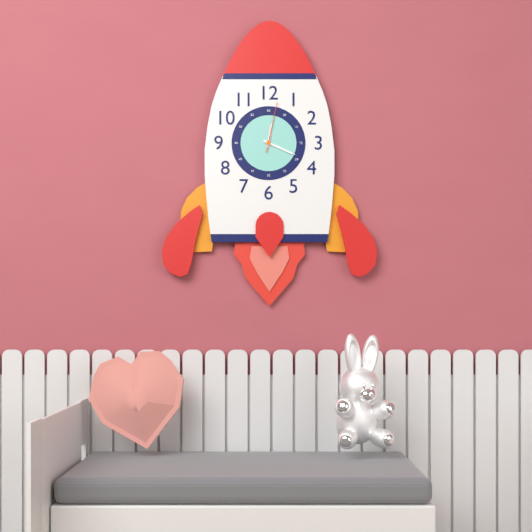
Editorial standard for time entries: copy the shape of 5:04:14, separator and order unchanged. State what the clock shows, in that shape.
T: 12:19:02
